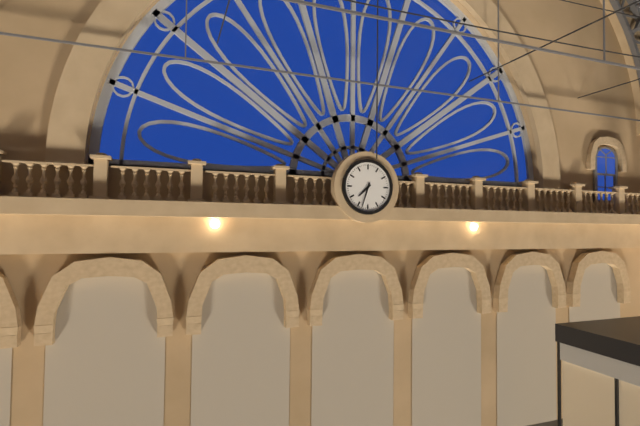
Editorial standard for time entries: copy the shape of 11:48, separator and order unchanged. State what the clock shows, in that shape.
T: 7:33
